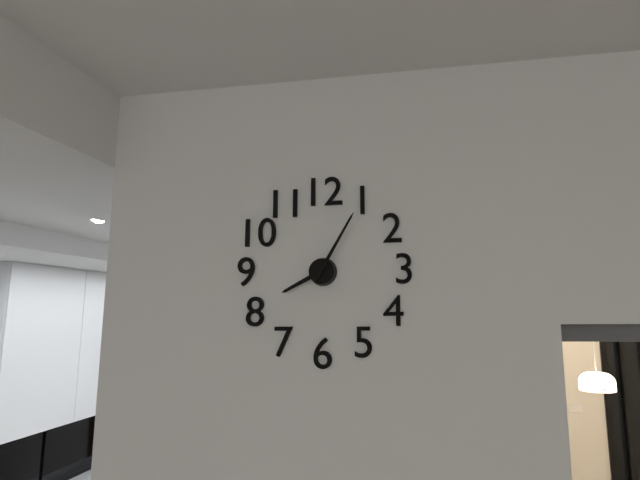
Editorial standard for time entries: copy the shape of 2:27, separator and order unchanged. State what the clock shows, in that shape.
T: 8:05
